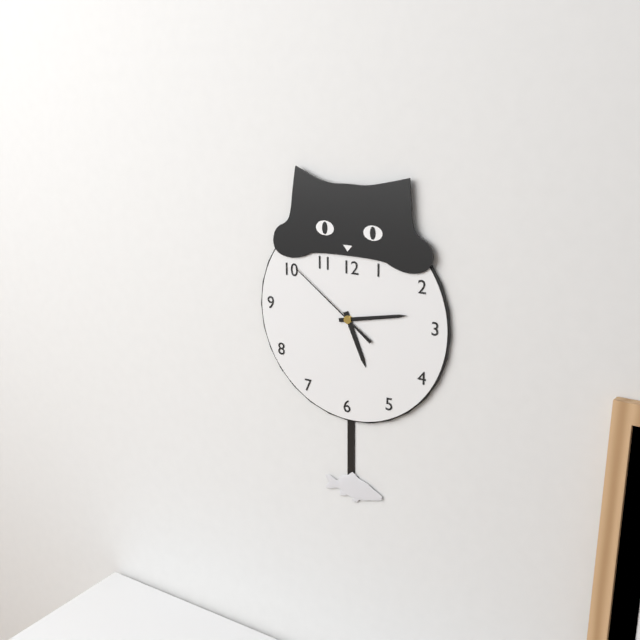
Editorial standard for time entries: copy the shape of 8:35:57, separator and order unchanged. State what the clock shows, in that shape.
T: 5:13:51
